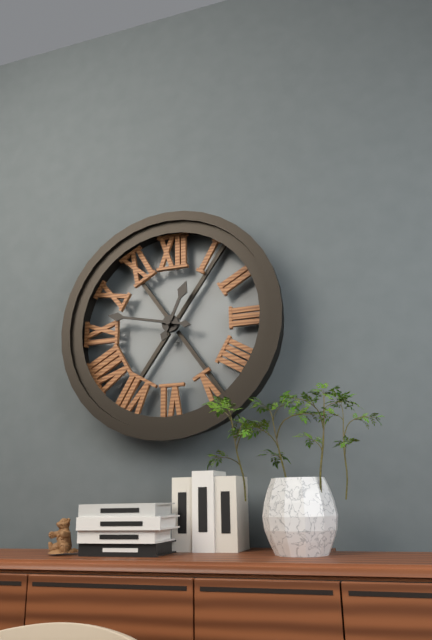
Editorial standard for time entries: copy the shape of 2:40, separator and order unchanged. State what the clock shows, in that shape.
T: 12:47
